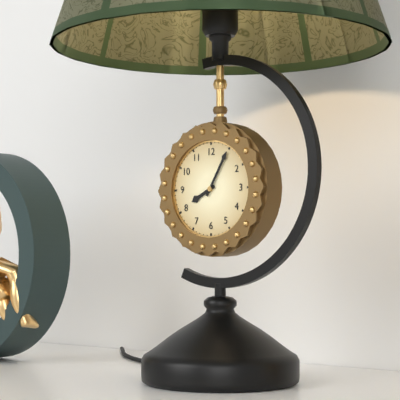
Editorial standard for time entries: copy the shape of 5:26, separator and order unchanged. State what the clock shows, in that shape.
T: 8:05
